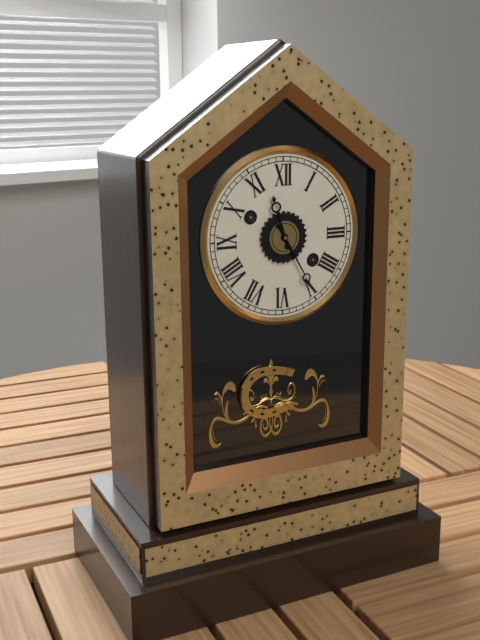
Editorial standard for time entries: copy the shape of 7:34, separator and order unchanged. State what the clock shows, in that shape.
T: 11:25
